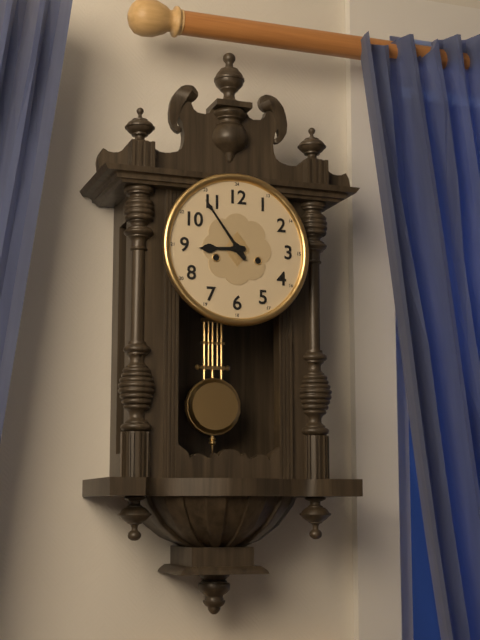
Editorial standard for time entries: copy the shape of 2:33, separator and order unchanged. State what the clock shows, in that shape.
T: 8:54
